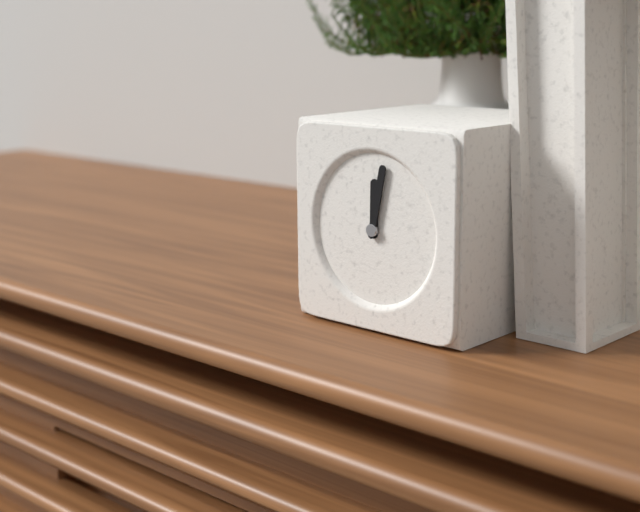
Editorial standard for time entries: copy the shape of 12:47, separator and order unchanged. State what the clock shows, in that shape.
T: 12:02
